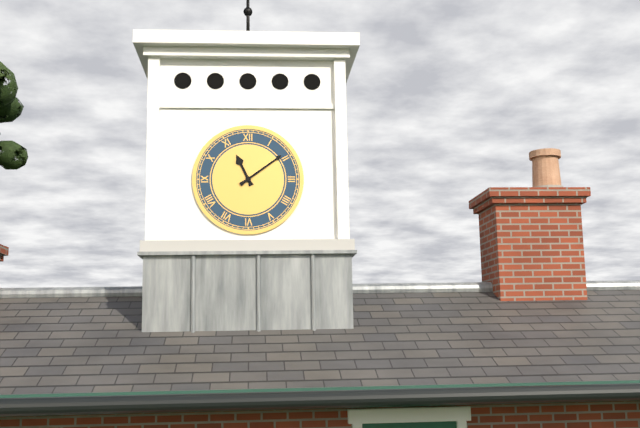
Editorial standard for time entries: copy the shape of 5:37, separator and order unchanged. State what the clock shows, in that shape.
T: 11:09
